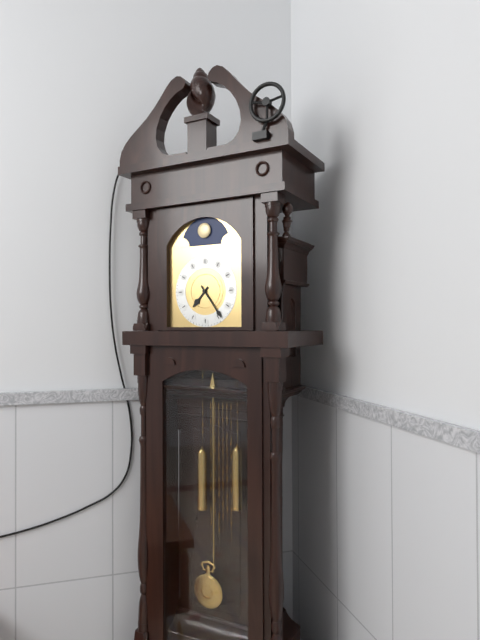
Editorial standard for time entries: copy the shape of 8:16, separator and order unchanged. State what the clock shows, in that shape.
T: 7:24
